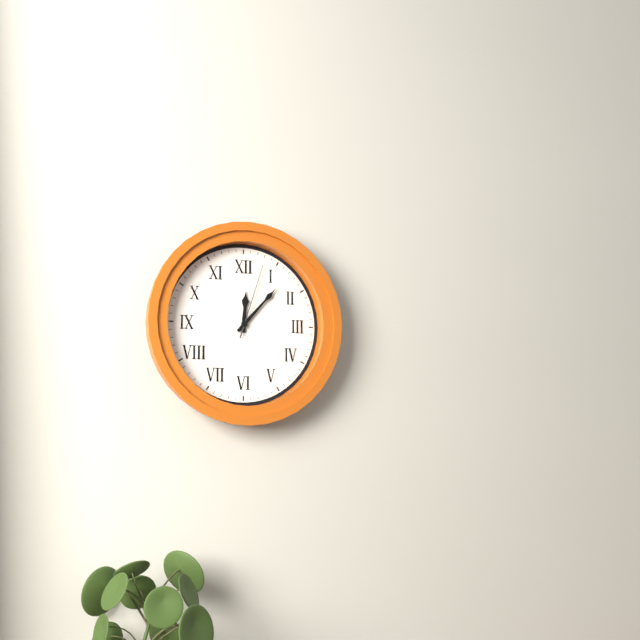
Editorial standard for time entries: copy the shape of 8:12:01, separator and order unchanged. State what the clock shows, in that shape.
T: 12:07:03
